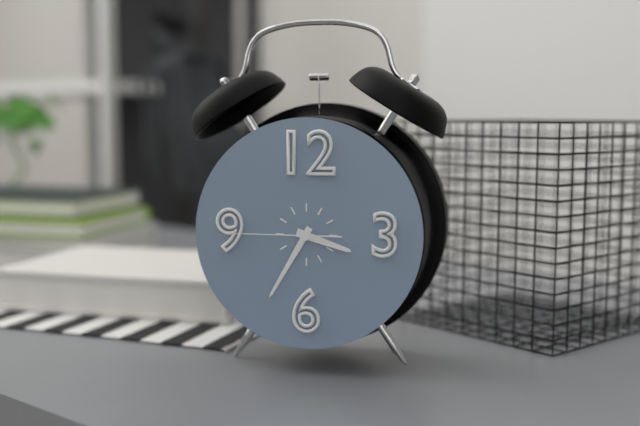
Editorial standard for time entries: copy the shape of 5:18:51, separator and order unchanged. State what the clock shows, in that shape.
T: 3:35:45
